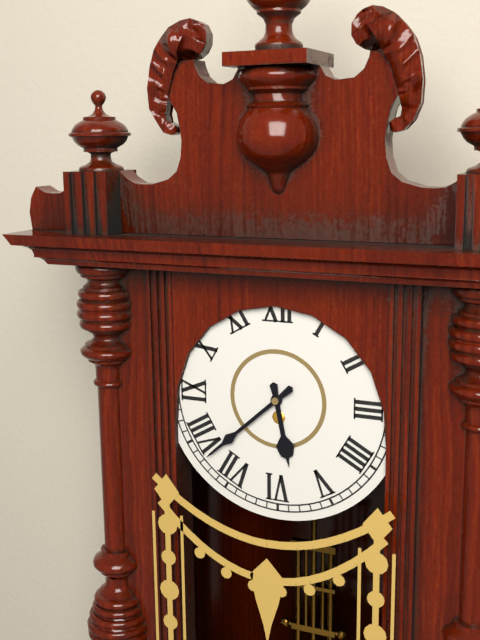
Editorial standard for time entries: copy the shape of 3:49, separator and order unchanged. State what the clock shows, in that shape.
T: 5:38
